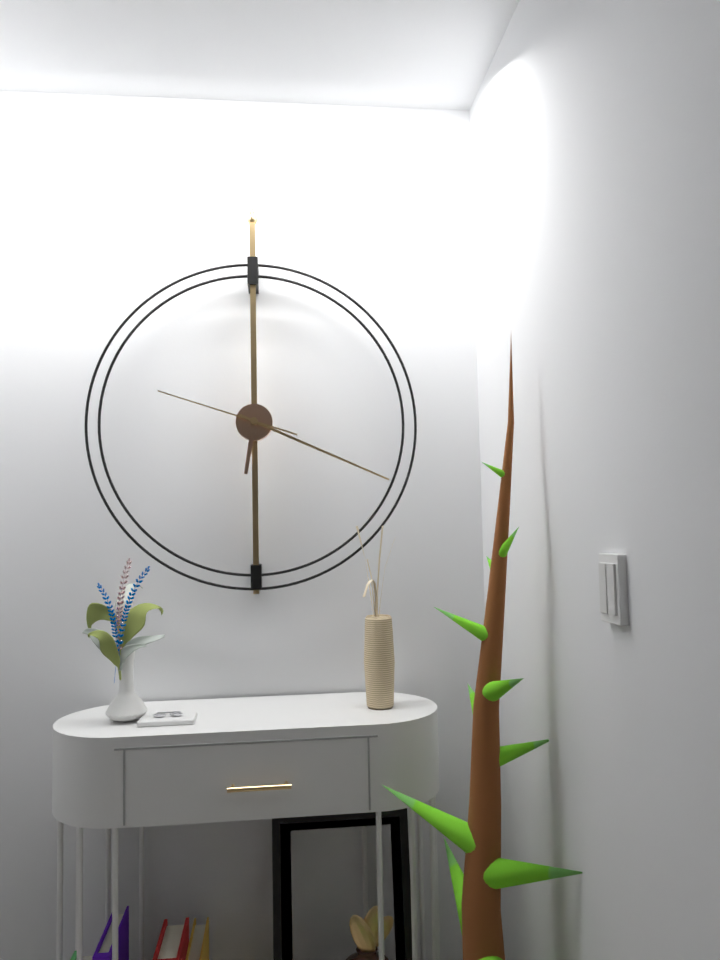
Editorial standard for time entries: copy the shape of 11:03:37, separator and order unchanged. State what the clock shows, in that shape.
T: 6:19:48
